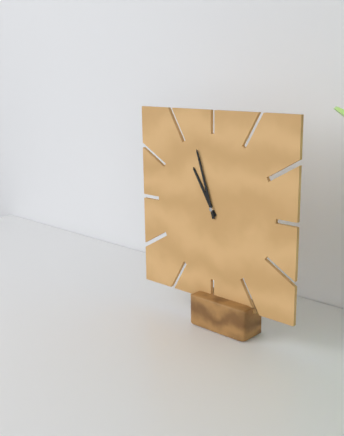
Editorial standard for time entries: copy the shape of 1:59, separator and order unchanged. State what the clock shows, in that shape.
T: 10:57
